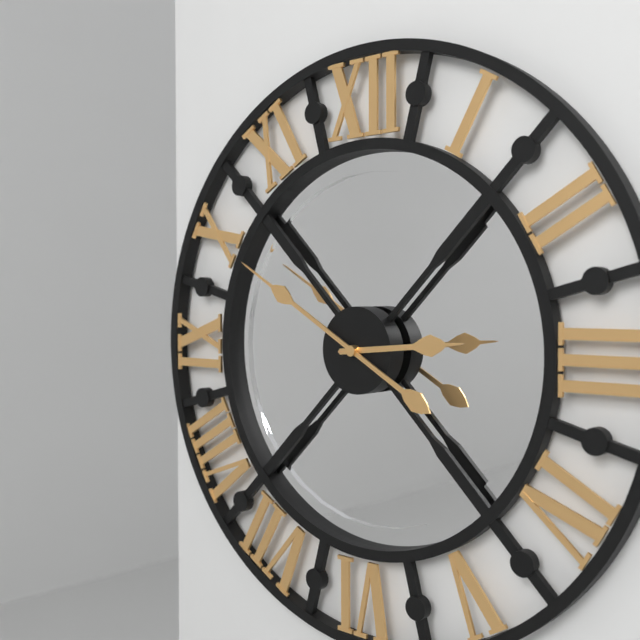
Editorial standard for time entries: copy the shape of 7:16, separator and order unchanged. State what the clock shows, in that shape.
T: 2:50
